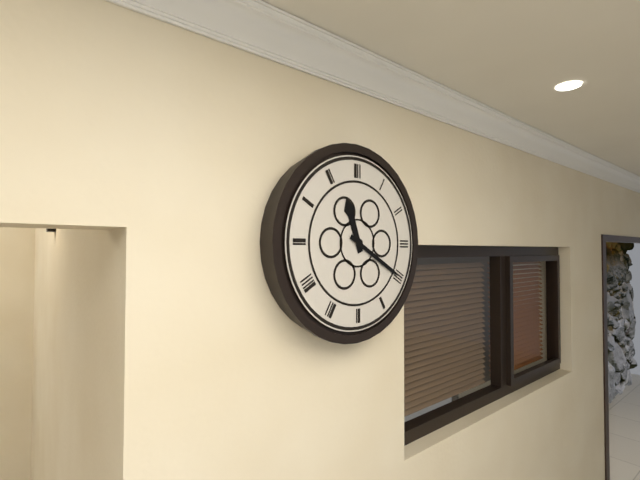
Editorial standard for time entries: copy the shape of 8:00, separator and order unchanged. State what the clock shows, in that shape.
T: 11:20
